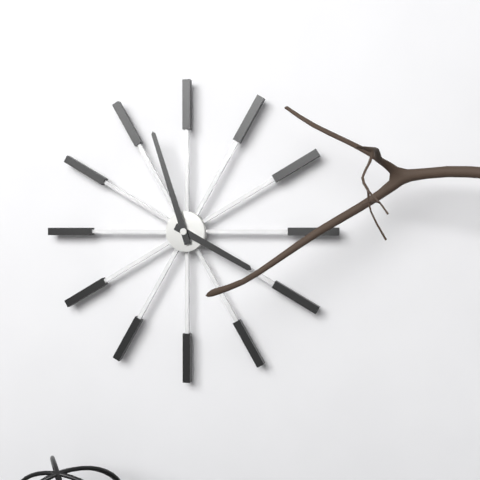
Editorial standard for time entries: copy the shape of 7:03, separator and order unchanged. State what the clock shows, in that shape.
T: 3:57
